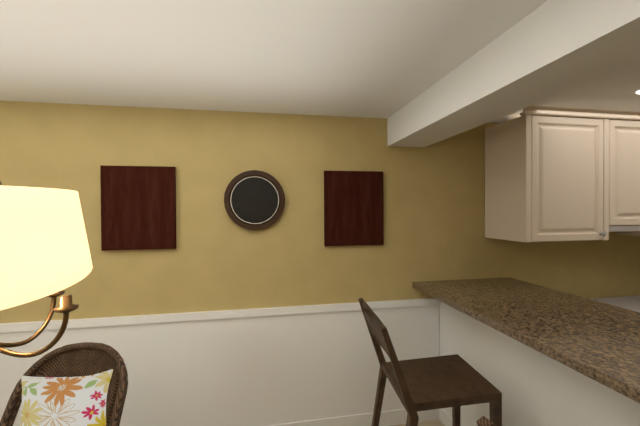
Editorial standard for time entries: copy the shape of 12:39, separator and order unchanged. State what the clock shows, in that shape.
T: 5:53
